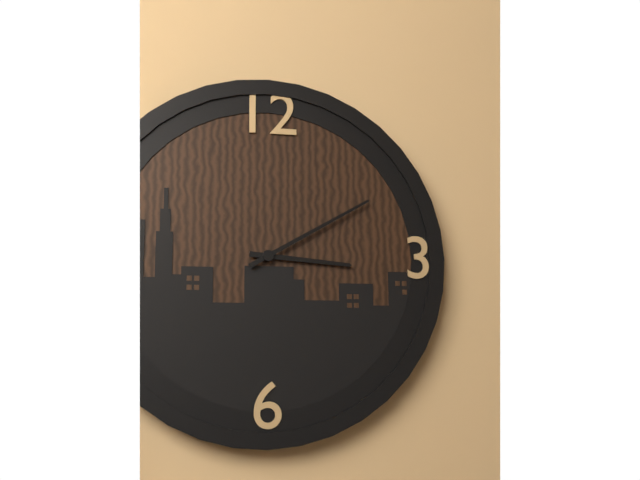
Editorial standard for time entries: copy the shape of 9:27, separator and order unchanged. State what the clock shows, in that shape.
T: 3:10
